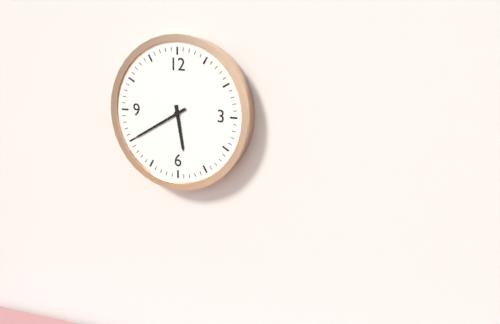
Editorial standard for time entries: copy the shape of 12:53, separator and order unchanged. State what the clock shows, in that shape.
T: 5:40
